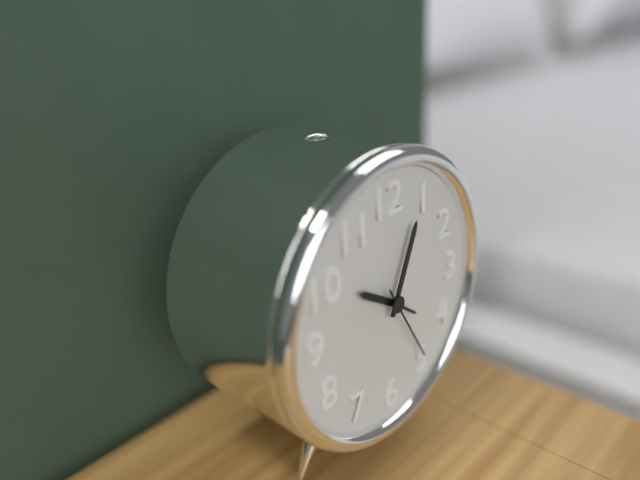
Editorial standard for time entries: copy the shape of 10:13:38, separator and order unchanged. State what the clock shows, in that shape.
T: 10:04:25
